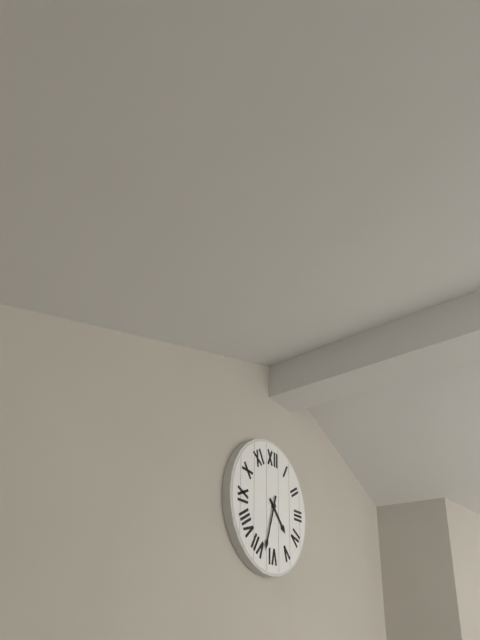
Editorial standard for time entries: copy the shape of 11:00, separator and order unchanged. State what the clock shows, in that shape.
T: 4:33
